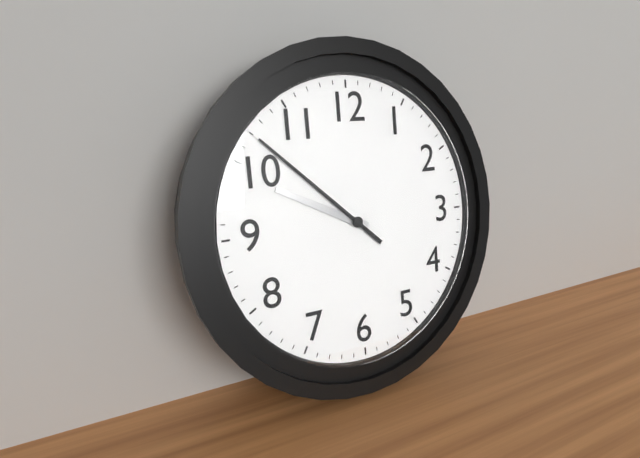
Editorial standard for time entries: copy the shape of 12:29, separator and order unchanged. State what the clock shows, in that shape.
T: 9:52
